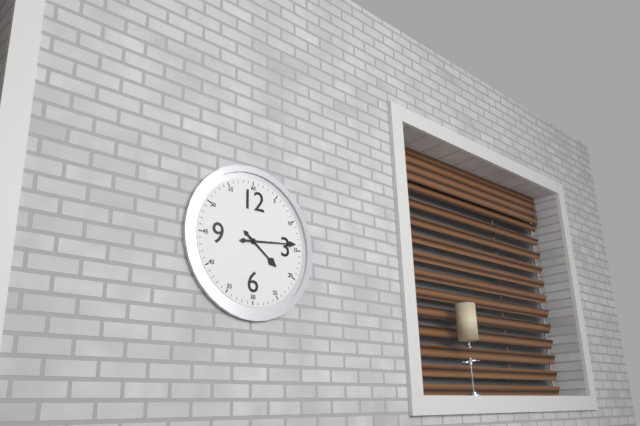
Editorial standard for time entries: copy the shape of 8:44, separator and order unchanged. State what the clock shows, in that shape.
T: 4:14
